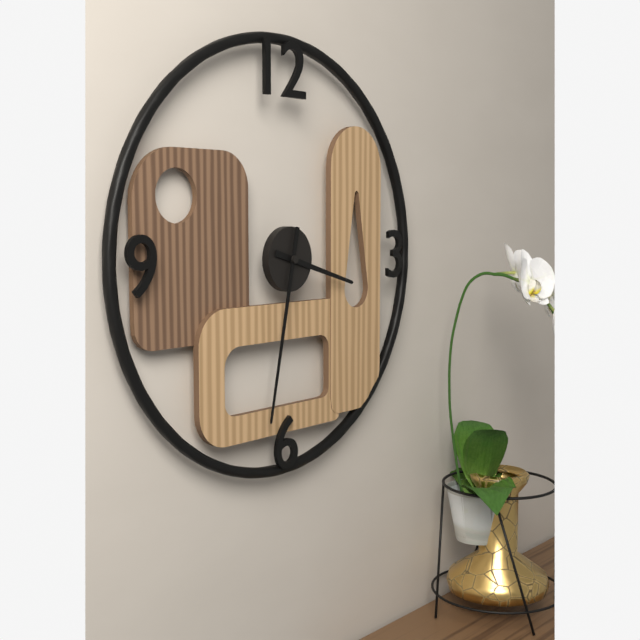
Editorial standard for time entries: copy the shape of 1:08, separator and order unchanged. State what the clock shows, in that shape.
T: 3:32
